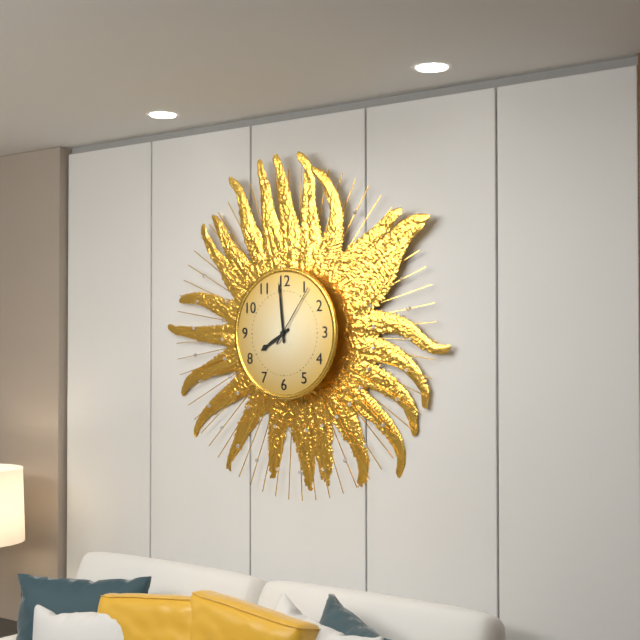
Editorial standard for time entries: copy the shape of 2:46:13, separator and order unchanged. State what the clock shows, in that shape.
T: 7:59:06
